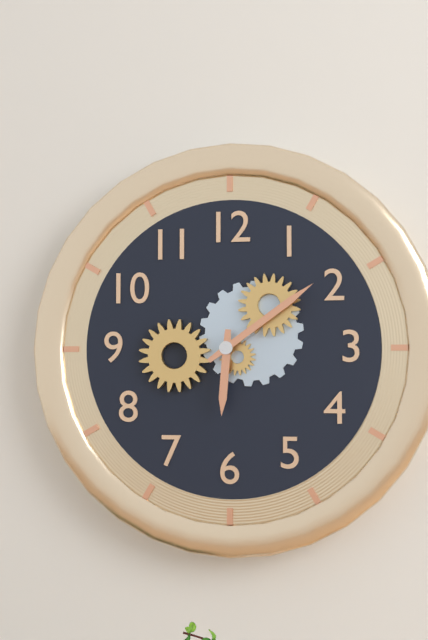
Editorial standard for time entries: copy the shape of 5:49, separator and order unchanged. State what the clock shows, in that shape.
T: 6:09
